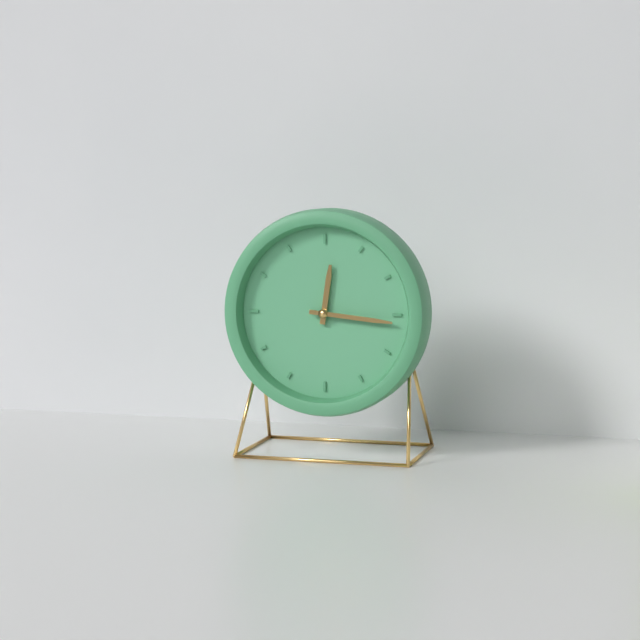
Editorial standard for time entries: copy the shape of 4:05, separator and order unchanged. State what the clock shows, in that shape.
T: 12:16
